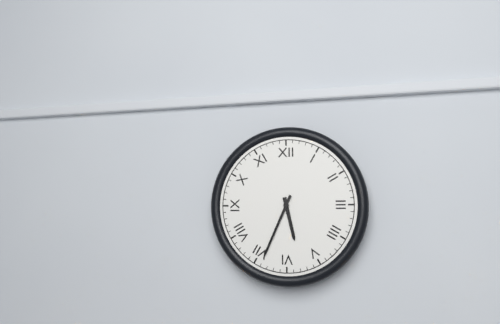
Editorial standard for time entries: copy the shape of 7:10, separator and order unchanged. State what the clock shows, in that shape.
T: 5:34
